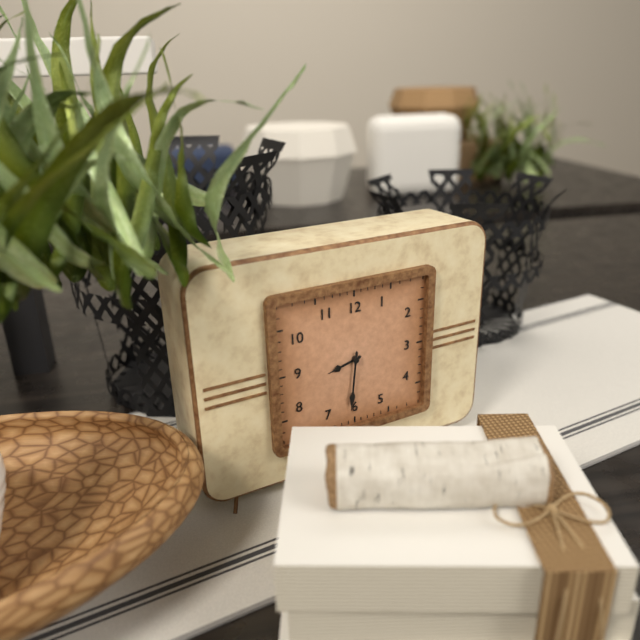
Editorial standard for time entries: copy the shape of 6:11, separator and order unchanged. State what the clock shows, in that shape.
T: 8:31
